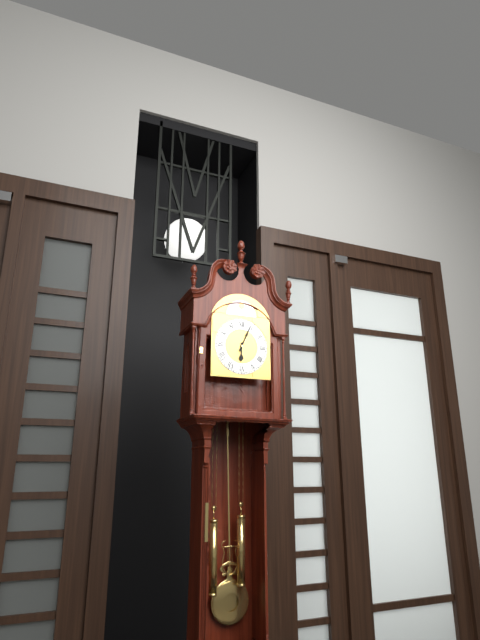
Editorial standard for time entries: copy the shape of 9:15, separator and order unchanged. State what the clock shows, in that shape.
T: 6:04
